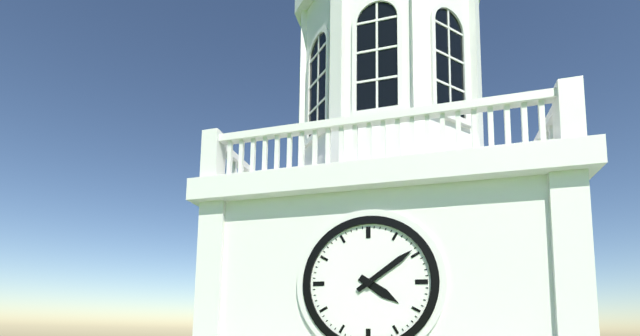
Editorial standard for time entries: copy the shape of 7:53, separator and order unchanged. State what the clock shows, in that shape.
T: 4:09
